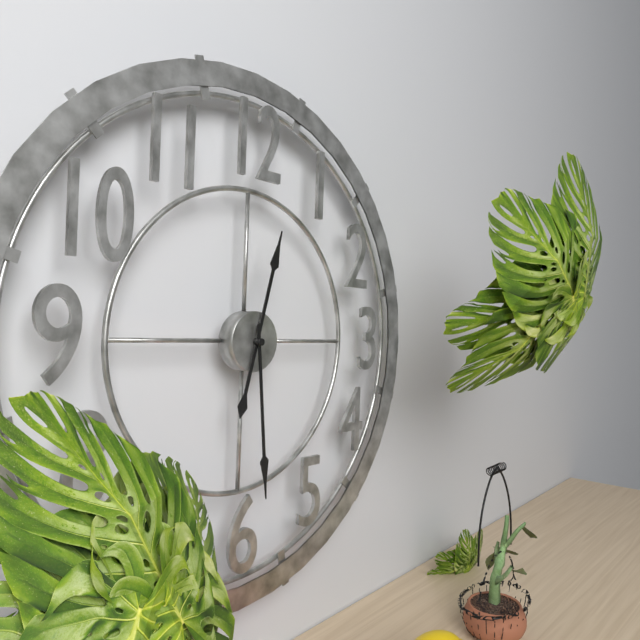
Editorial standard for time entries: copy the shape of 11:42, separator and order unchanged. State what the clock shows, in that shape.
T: 12:29
